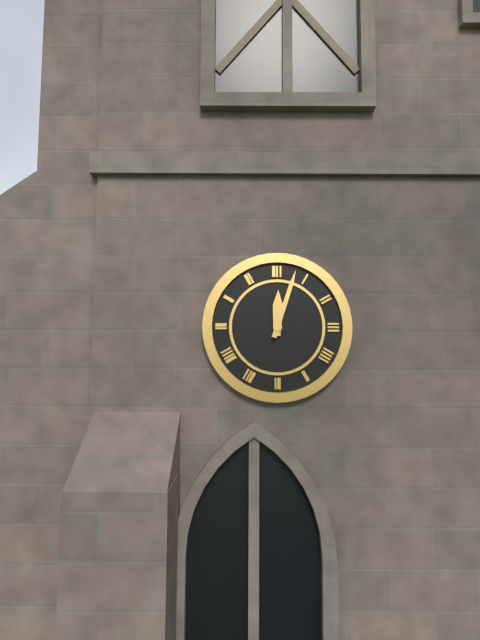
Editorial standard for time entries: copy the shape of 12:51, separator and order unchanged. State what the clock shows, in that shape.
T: 12:03
